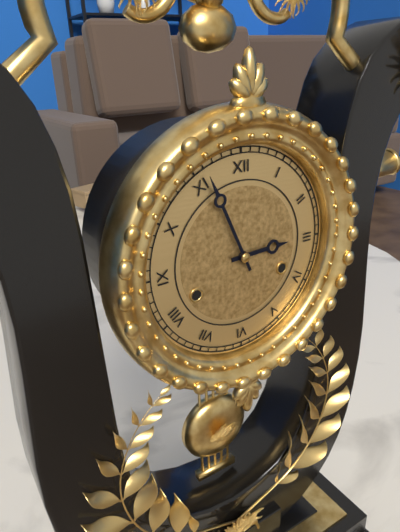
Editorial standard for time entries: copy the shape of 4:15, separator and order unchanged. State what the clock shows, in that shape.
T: 2:56
